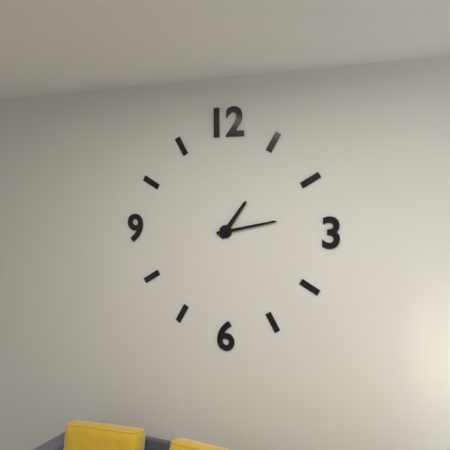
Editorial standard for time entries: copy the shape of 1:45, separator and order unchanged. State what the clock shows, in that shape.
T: 1:13
